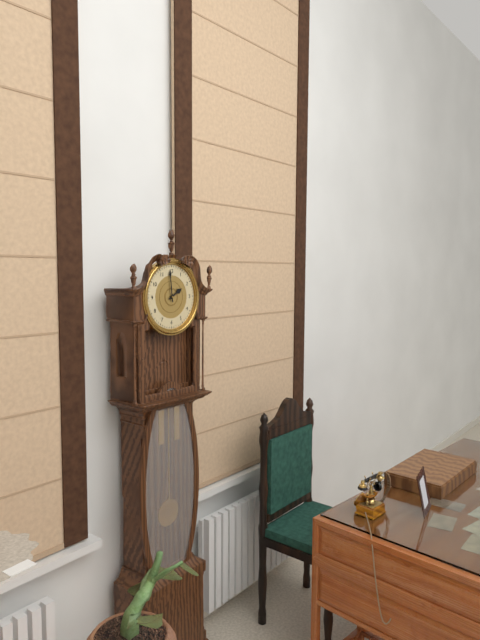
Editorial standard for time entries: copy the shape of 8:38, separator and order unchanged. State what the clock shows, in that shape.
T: 1:59
